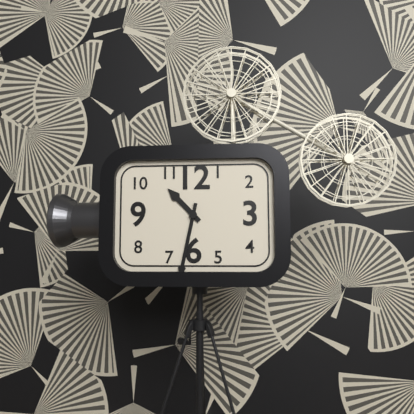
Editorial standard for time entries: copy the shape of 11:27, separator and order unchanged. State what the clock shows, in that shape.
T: 10:32
